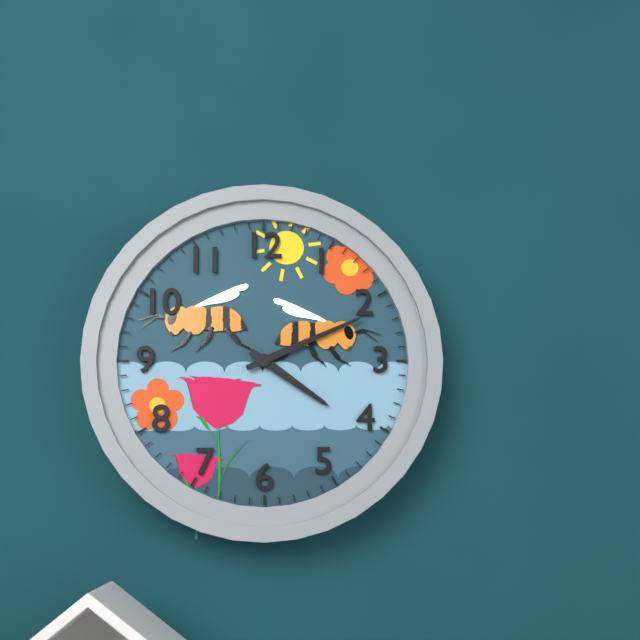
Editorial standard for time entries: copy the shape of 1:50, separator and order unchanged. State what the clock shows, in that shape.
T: 4:11
